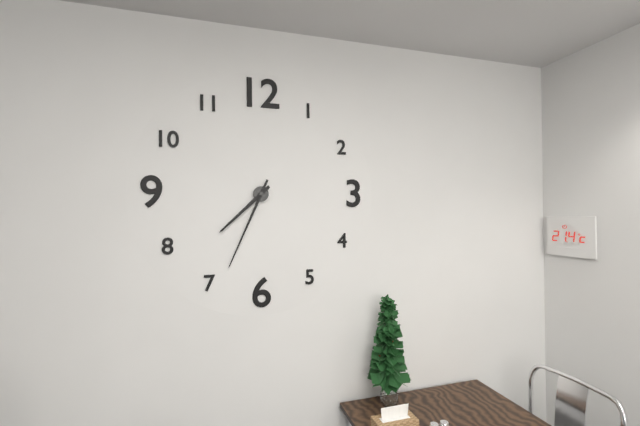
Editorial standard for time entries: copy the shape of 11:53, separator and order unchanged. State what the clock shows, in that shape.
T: 7:34
